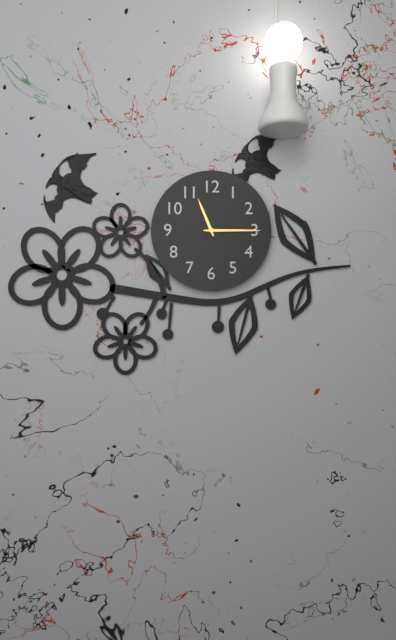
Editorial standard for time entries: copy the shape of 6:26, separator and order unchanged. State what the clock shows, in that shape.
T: 11:15
